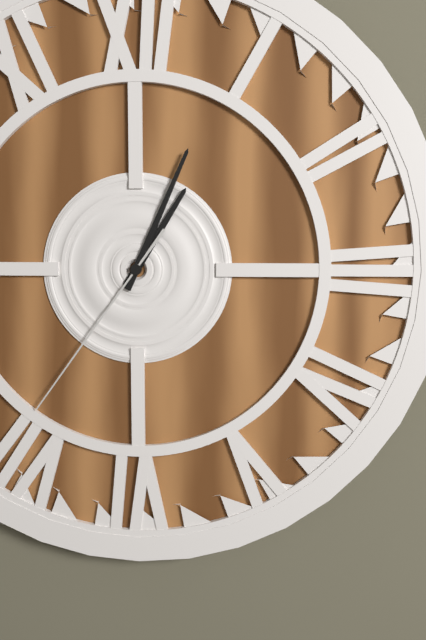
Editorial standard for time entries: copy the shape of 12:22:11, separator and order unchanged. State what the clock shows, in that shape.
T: 1:04:36
